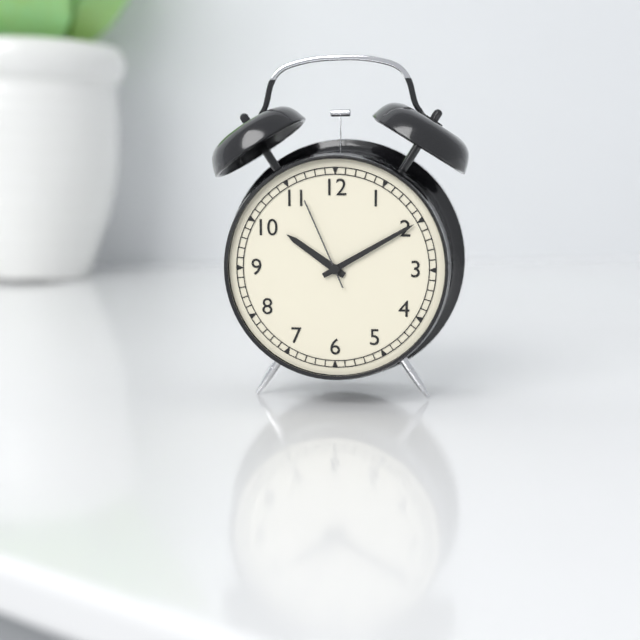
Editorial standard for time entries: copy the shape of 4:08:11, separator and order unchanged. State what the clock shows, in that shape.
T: 10:10:56
